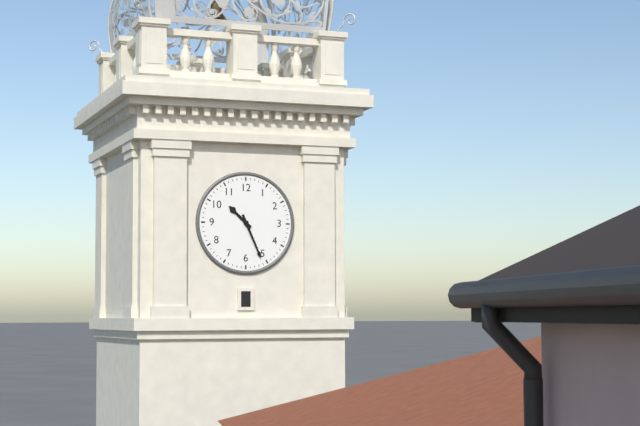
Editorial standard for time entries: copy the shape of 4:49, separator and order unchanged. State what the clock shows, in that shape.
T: 10:26
